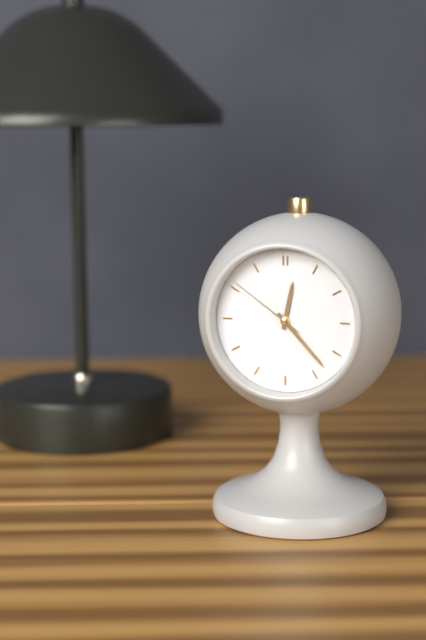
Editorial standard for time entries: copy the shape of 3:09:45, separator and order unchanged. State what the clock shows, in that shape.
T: 12:23:51
